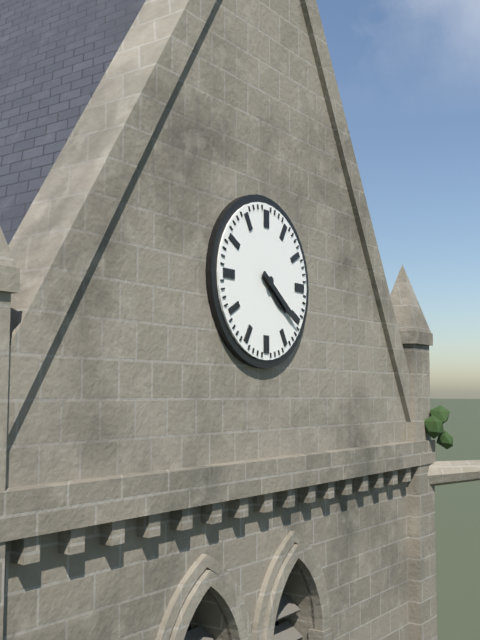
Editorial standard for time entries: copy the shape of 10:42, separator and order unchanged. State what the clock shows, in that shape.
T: 4:21
